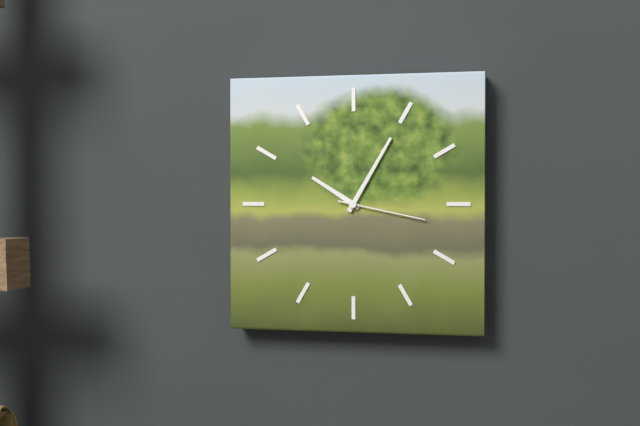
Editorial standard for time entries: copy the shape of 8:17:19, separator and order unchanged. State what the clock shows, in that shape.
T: 10:05:17
